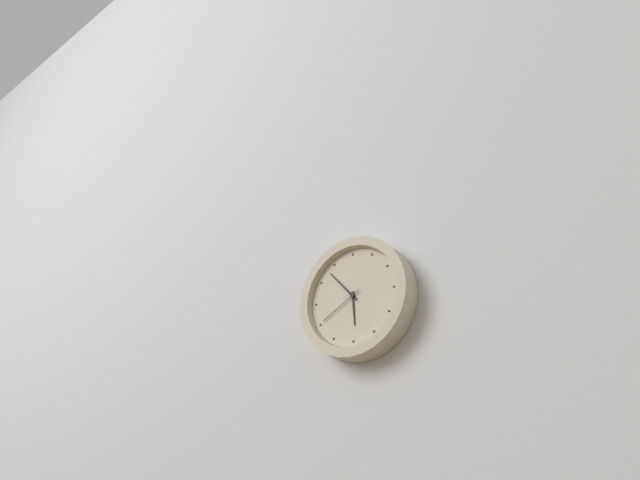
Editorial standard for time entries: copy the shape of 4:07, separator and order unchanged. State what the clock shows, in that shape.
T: 5:53
